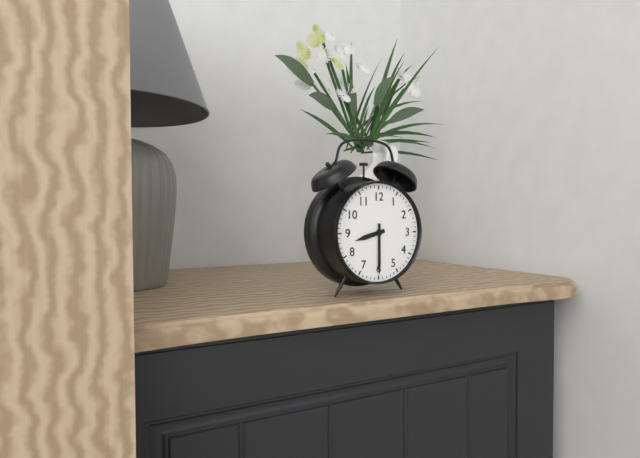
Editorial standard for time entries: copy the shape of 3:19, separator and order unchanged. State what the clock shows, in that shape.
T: 8:30
